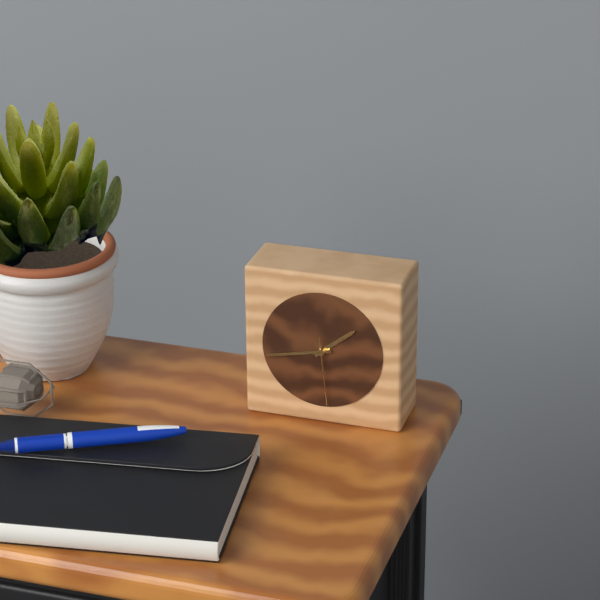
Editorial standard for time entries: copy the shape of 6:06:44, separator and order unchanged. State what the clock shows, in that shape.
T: 1:43:29
